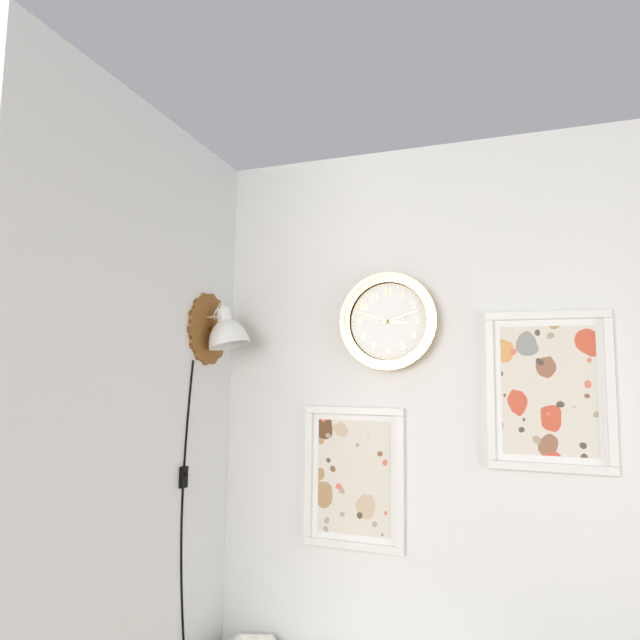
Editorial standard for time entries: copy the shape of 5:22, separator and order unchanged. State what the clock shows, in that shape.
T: 3:12
